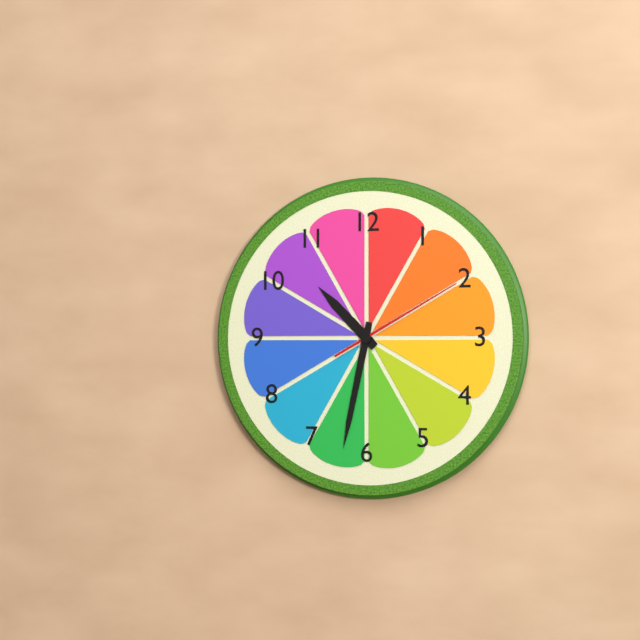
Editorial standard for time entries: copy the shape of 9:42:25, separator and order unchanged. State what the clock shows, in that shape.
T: 10:32:10
